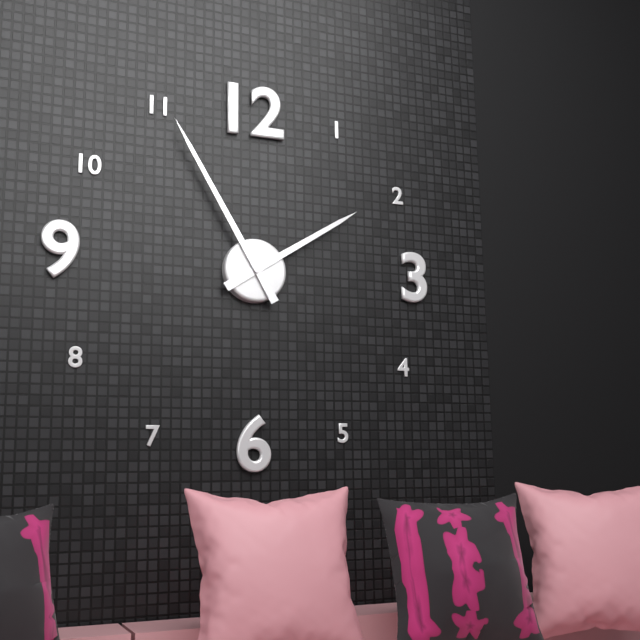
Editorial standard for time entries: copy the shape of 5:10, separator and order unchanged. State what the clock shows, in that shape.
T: 1:55
